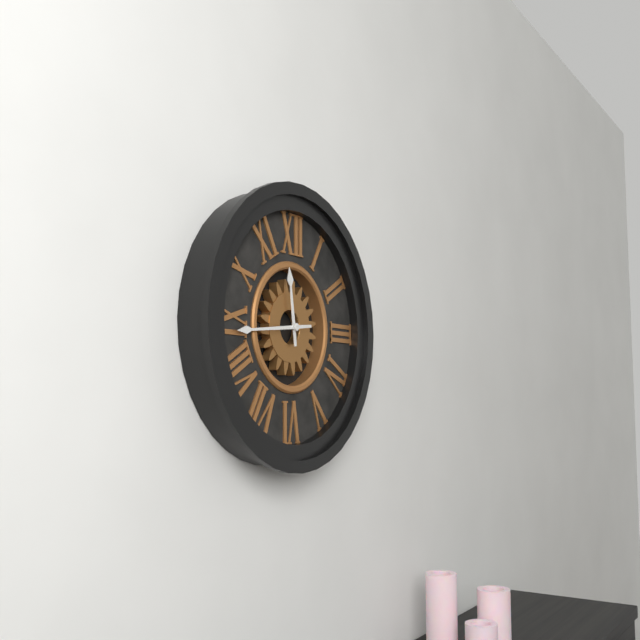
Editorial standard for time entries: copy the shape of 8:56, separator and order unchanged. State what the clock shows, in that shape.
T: 11:44
